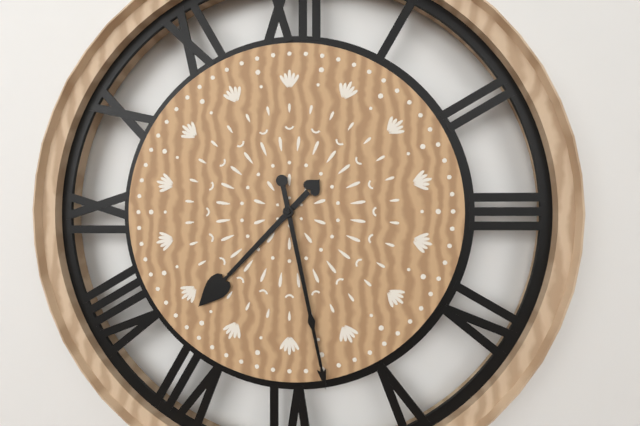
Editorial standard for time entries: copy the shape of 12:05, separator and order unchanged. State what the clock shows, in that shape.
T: 7:28
